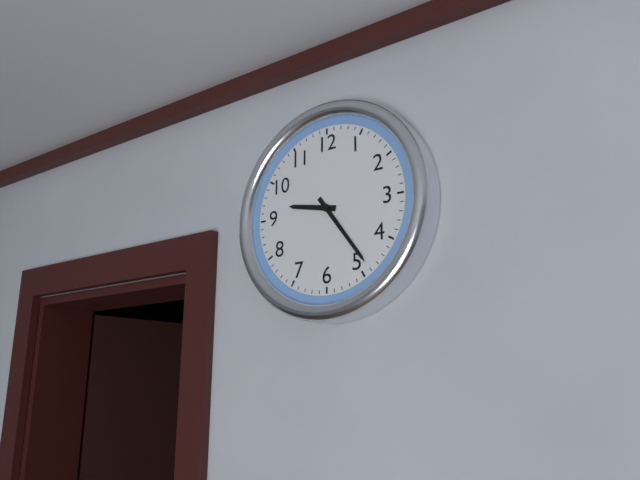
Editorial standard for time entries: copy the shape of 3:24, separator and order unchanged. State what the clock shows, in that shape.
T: 9:24
